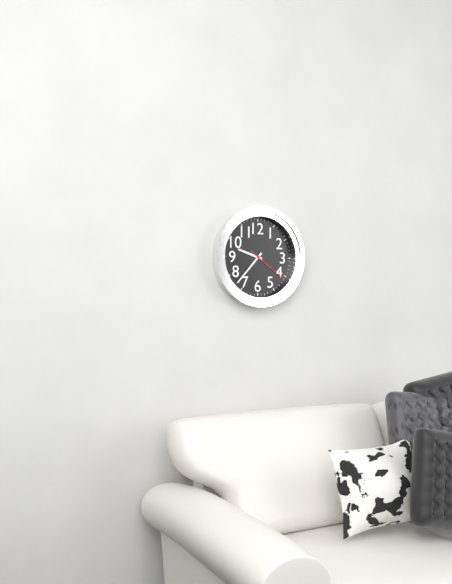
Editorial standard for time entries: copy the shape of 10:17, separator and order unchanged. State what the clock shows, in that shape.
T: 9:37
